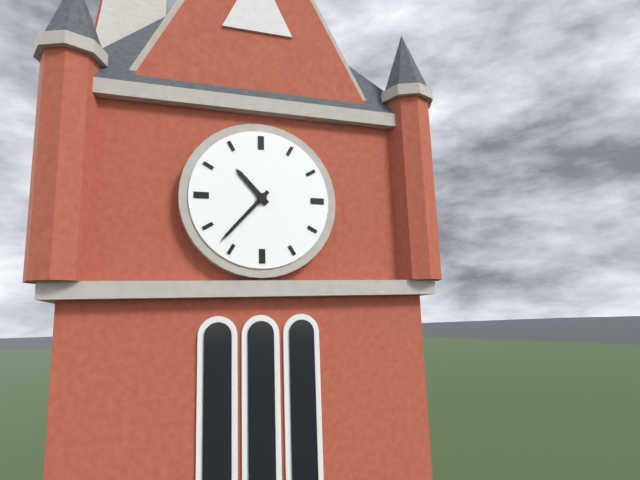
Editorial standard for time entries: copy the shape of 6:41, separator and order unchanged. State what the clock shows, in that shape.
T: 10:37
